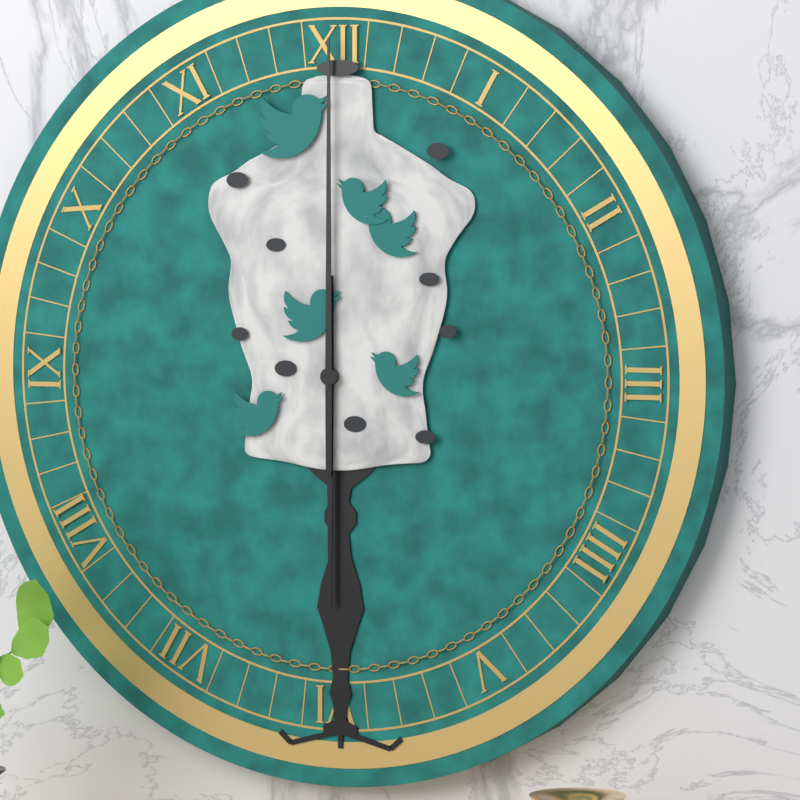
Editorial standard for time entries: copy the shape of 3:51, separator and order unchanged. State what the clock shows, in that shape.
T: 6:00
